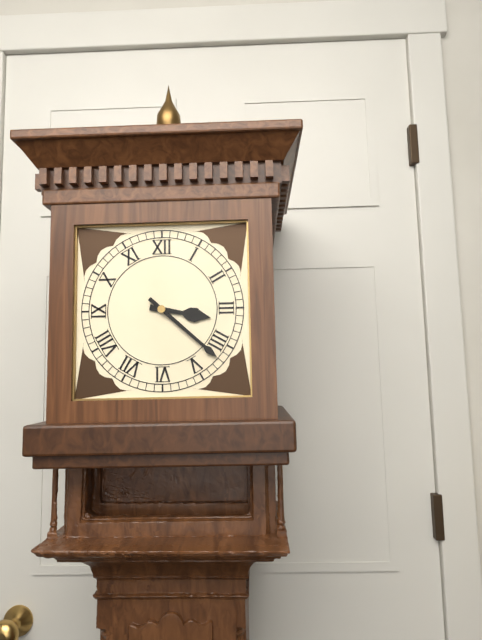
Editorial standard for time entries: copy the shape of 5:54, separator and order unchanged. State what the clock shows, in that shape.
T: 3:22
